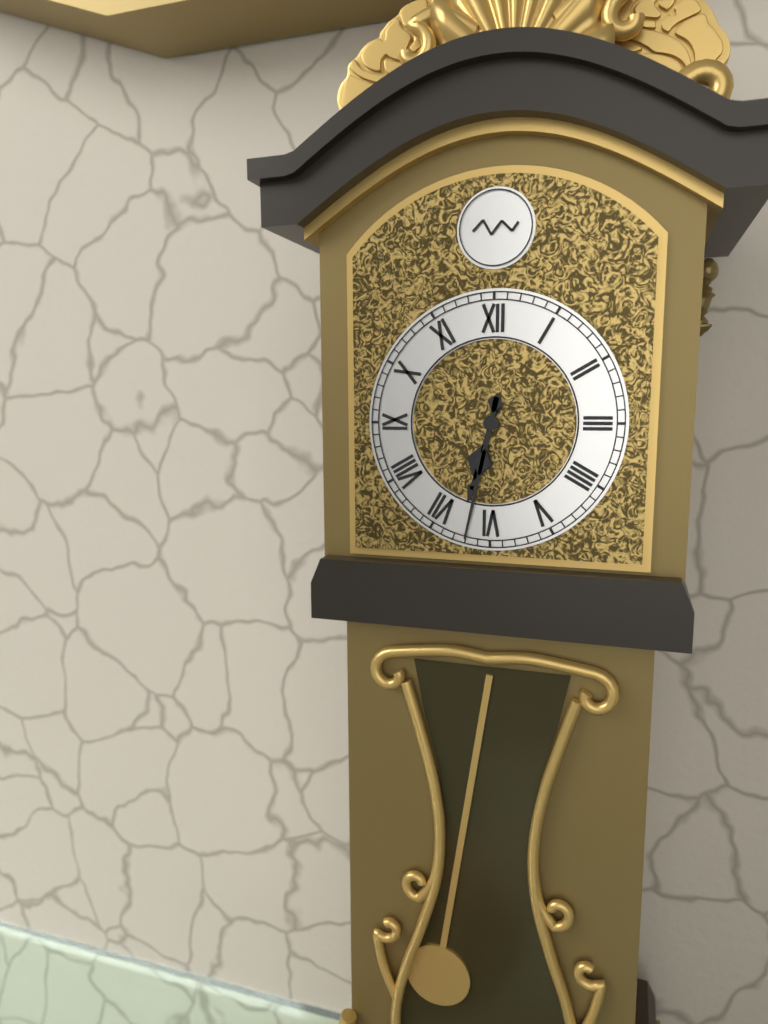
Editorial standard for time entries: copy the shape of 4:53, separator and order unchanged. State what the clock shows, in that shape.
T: 6:32
